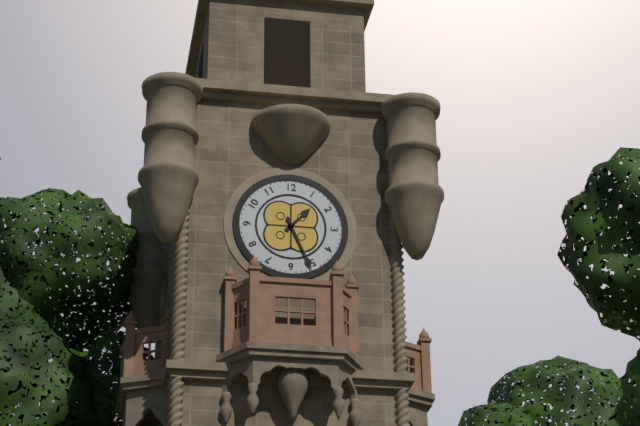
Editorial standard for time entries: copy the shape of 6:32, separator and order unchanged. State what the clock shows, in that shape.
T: 1:26
